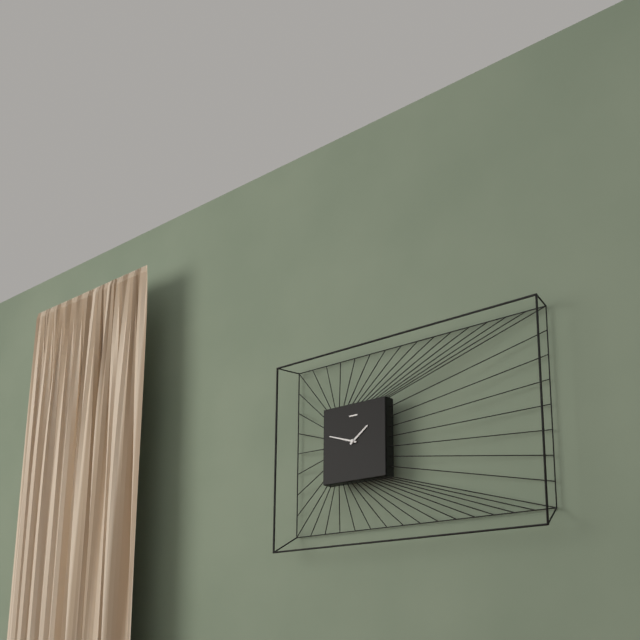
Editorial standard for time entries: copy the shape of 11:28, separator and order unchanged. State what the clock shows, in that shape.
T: 1:48
